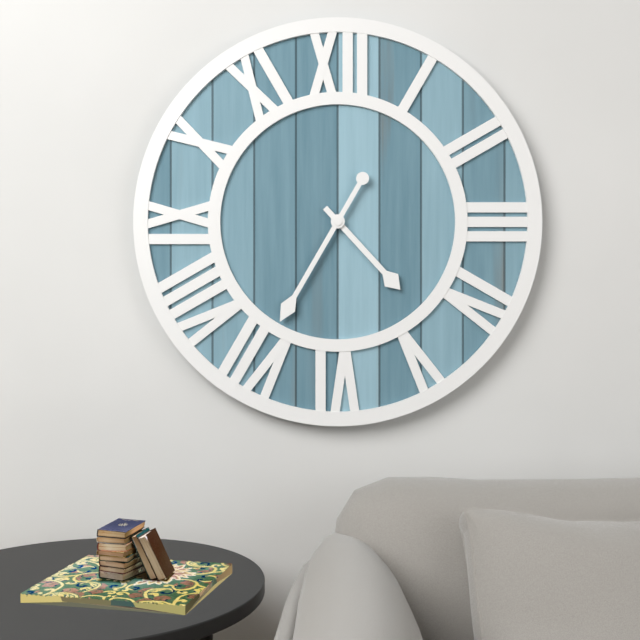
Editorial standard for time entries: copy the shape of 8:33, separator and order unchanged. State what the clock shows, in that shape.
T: 4:35
